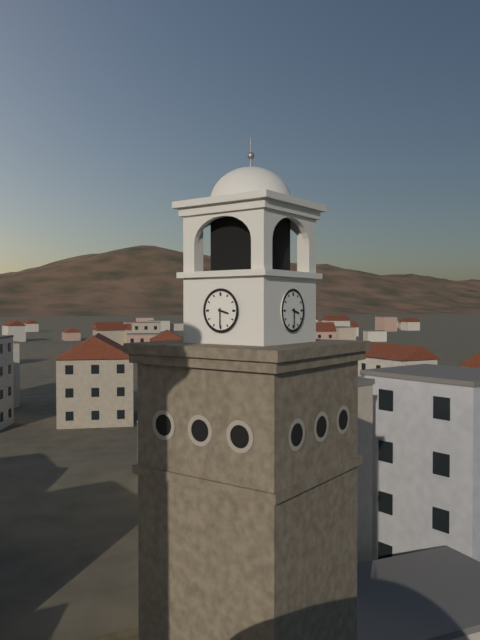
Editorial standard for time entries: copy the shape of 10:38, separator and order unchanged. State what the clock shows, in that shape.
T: 3:30
